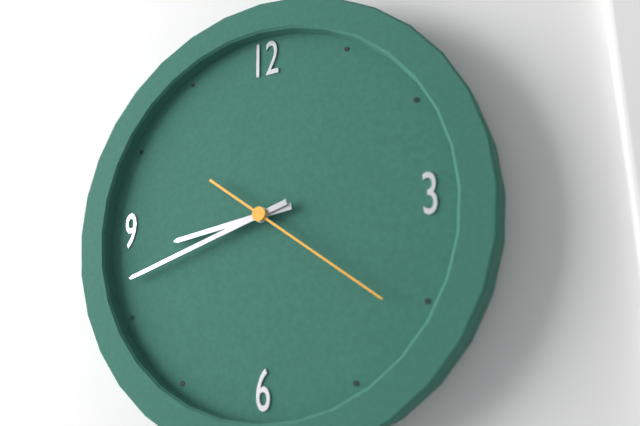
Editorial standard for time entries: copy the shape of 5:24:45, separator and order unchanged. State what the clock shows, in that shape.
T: 8:42:21
